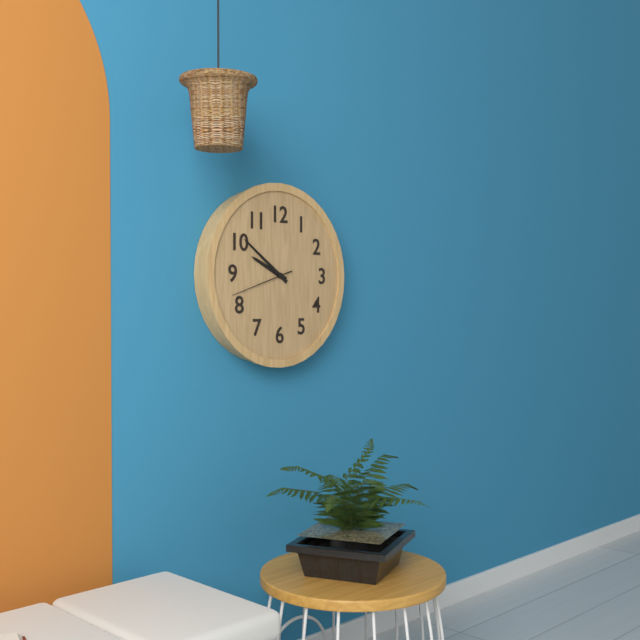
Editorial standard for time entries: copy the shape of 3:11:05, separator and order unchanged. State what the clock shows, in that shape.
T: 9:51:42
